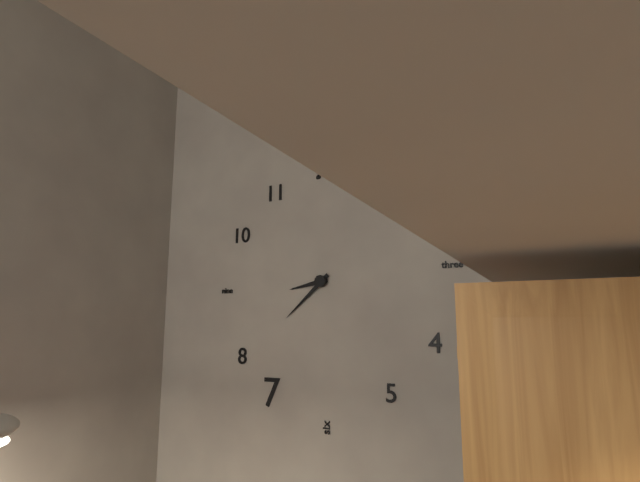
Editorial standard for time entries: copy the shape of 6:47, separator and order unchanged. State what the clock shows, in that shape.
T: 8:38
